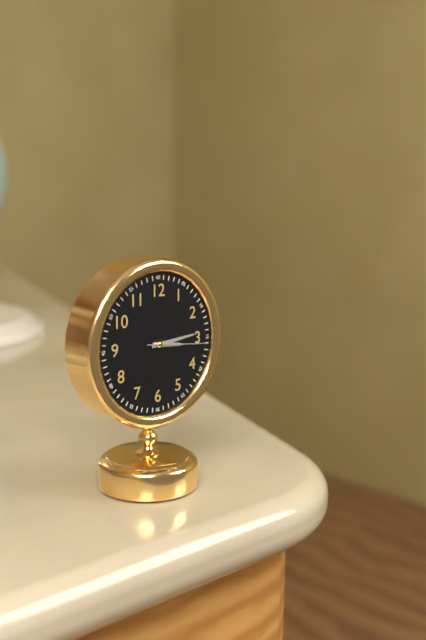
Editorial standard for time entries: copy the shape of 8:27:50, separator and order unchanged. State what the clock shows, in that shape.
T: 3:14:16
